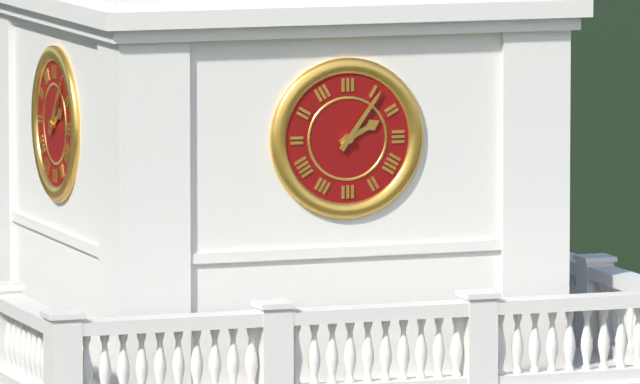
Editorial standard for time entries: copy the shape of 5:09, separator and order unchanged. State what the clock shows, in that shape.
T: 2:06
